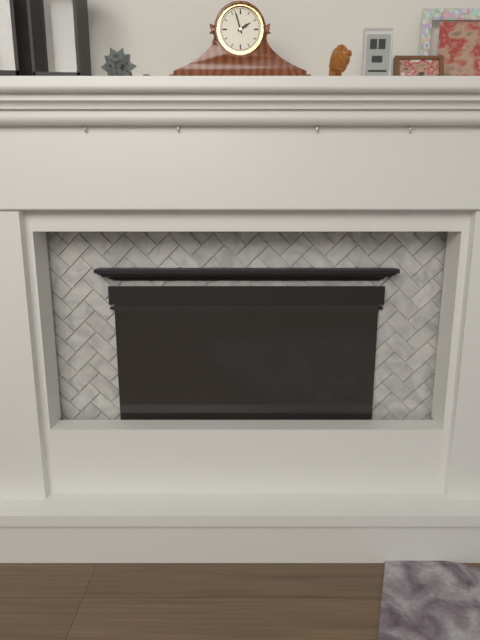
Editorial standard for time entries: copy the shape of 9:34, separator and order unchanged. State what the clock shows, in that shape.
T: 1:57
